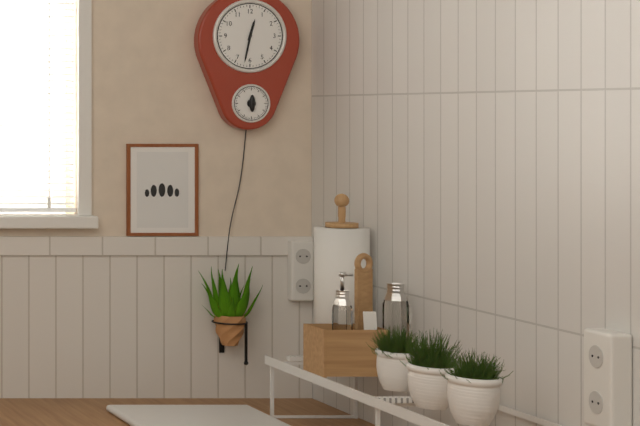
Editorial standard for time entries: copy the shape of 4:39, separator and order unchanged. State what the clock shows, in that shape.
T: 12:32
